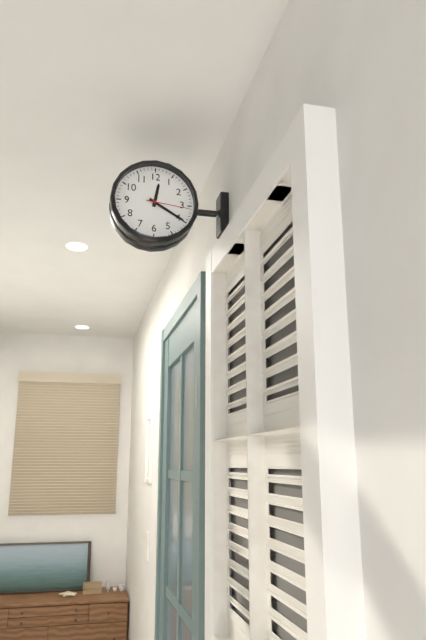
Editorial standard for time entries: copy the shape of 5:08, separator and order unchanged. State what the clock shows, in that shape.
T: 12:20
